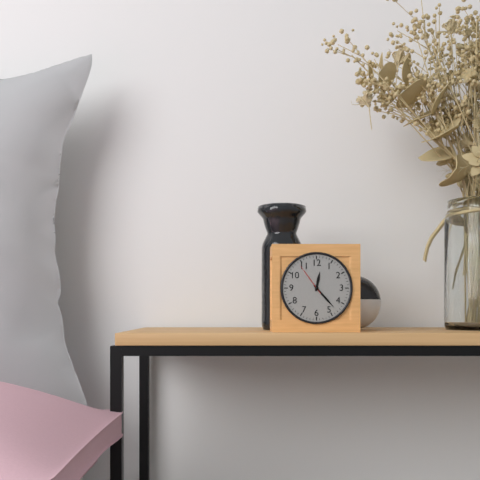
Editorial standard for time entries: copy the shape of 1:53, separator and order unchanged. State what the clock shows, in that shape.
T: 12:23
